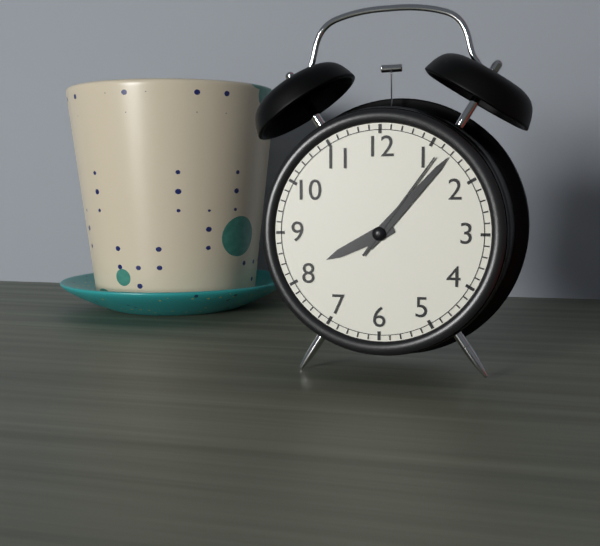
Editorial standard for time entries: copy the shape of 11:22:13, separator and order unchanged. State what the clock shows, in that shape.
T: 8:07:06
